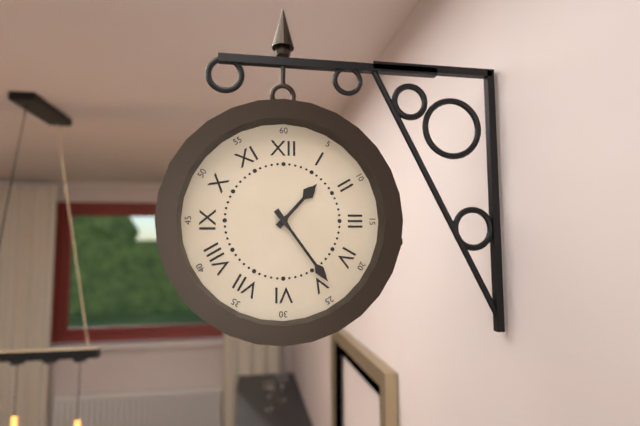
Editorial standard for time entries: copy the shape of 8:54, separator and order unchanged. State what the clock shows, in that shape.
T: 1:24
